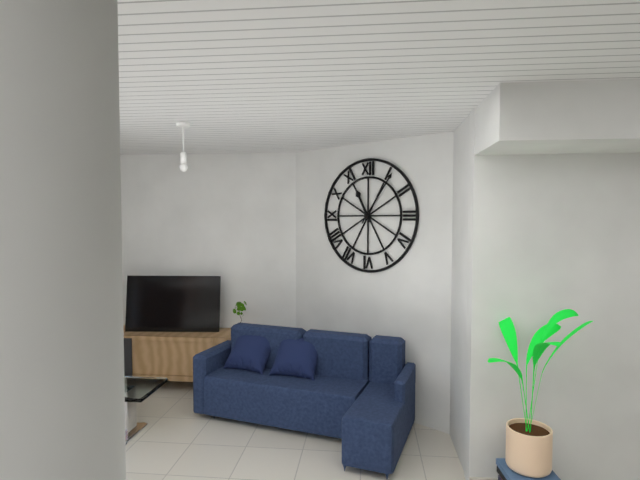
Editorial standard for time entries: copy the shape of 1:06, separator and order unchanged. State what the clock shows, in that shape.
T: 11:06
